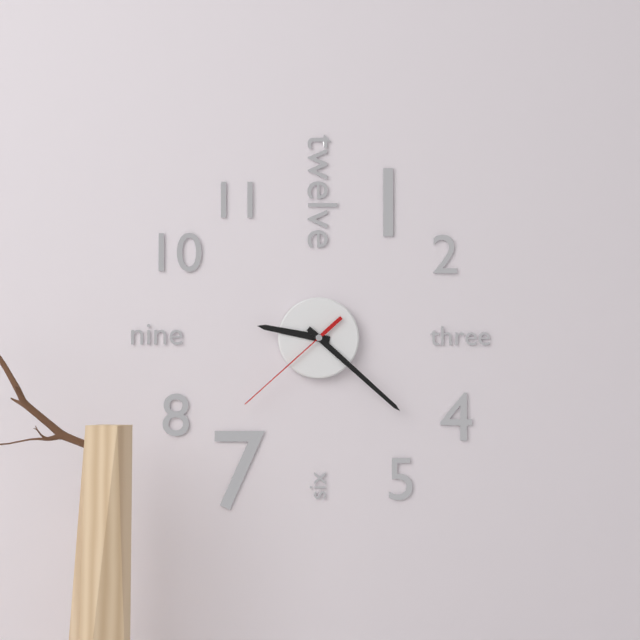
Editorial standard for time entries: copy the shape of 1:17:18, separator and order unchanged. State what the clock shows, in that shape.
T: 9:22:38
